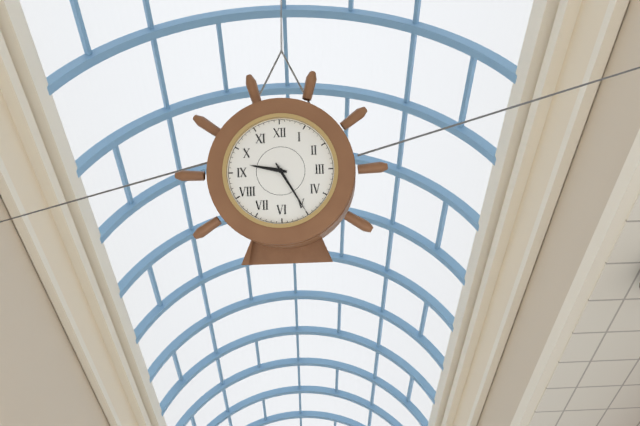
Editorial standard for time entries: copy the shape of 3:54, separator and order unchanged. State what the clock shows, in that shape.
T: 9:25
